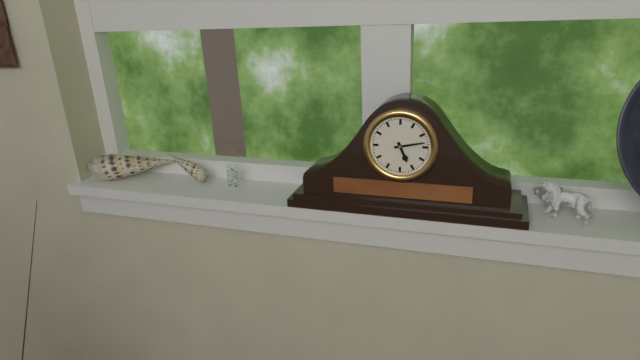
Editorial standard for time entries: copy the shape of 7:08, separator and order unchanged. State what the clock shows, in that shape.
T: 5:13
